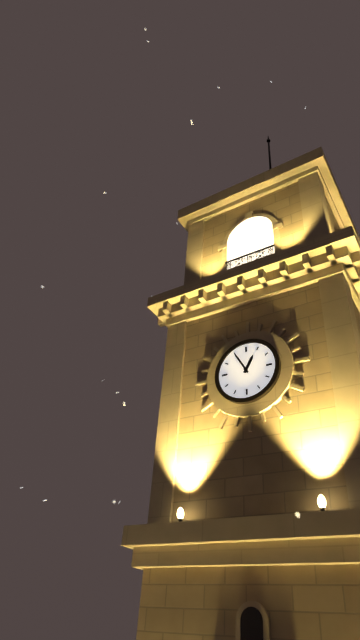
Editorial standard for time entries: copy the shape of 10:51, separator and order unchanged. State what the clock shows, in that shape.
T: 12:55
